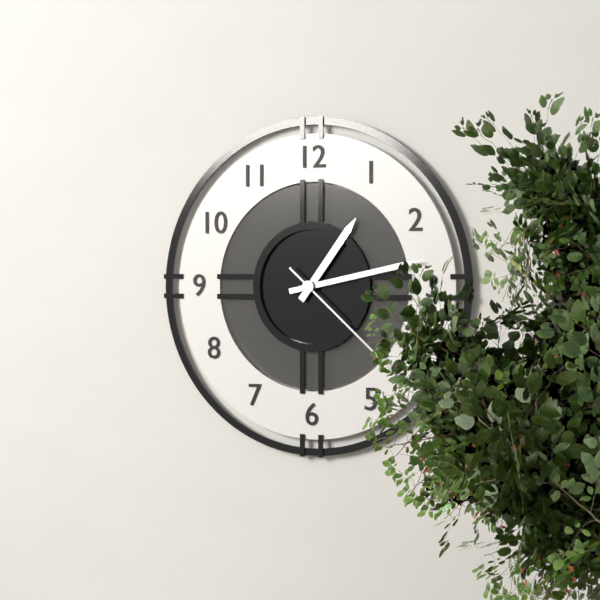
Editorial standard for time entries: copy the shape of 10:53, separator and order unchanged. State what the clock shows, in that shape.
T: 1:13
